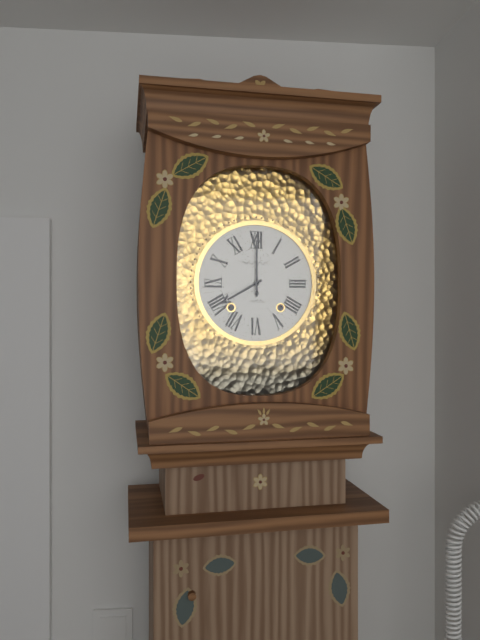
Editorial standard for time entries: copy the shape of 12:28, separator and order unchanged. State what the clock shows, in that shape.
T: 8:00
